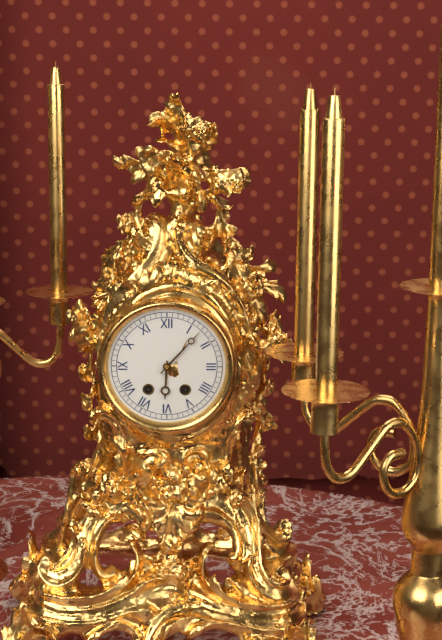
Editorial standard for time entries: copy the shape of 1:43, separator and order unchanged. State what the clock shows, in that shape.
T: 6:07
